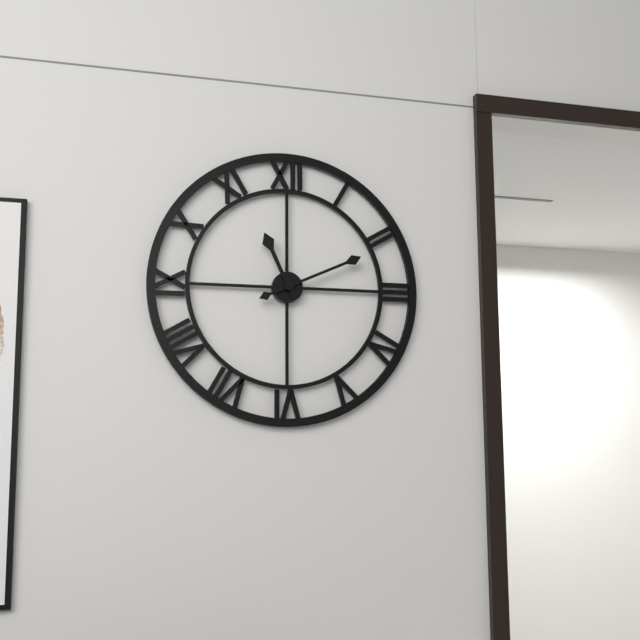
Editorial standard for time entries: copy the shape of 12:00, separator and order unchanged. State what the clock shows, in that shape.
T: 11:11
